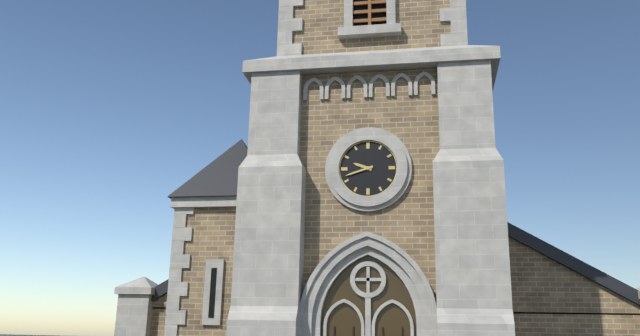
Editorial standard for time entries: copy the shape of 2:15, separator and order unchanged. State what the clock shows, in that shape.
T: 9:42
